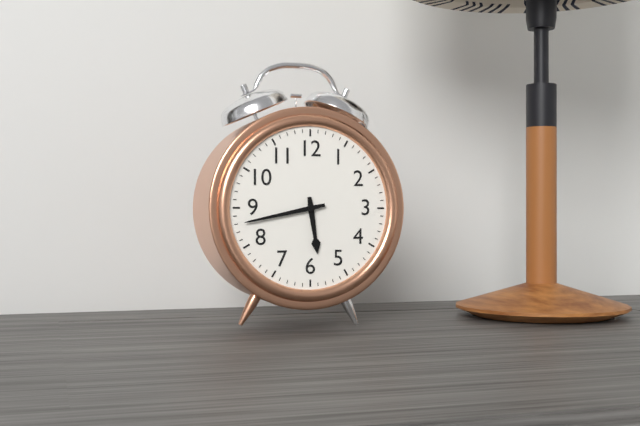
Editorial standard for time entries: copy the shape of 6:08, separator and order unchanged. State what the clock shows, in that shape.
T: 5:43
